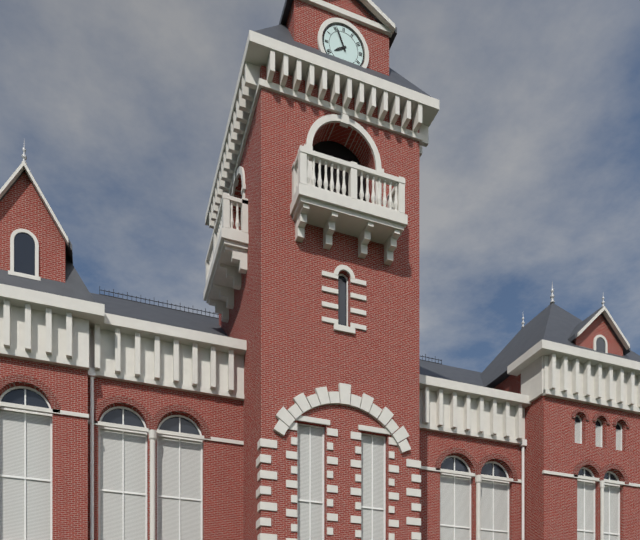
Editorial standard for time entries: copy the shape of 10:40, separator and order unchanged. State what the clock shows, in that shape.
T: 7:56
